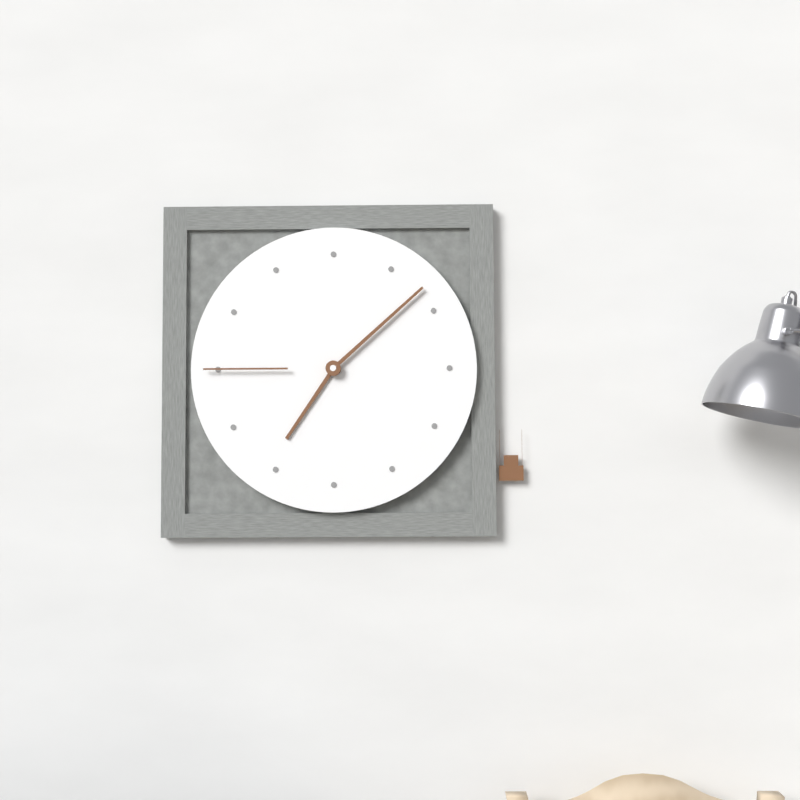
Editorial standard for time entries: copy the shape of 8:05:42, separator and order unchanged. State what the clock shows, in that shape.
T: 7:08:45
